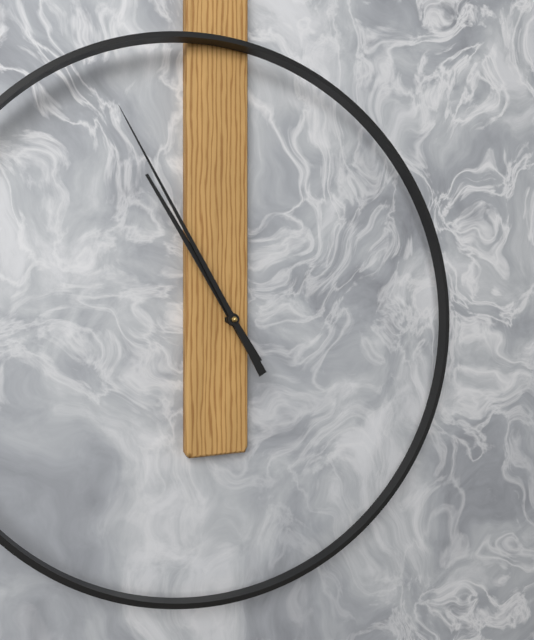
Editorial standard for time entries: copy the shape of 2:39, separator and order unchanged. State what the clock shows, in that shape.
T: 10:55
